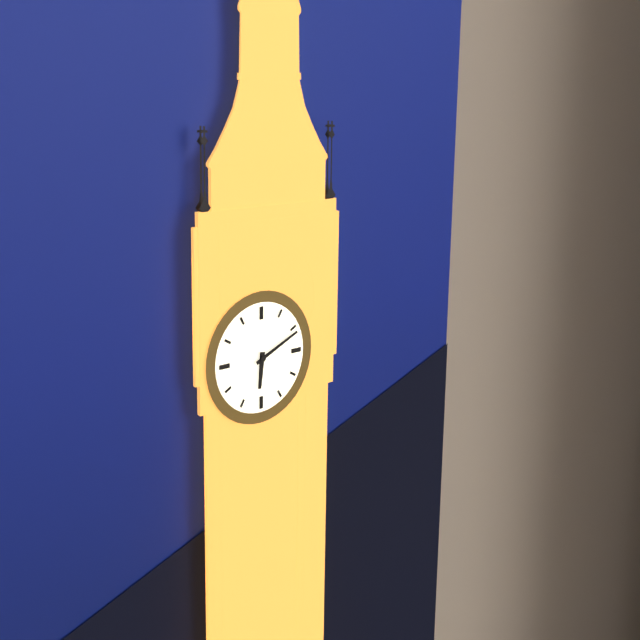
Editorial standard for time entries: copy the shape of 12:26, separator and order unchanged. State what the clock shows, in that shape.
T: 6:11
